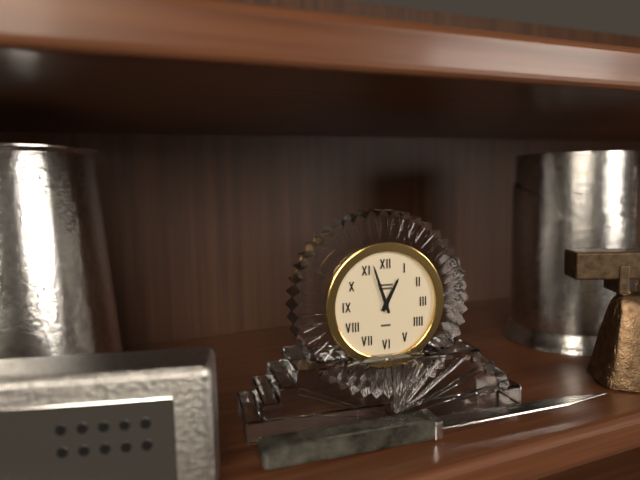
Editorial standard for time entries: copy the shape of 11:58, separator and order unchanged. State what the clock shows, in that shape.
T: 12:57
